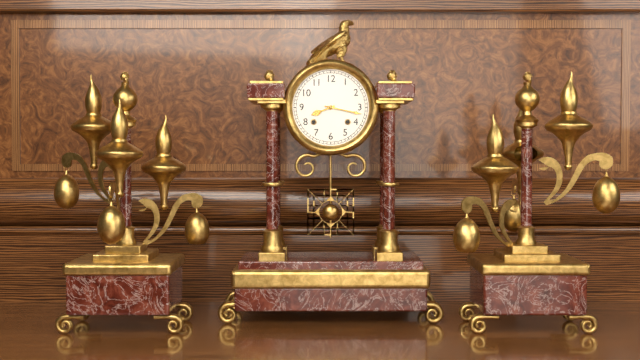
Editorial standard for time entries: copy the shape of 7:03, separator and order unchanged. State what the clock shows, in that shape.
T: 8:17
